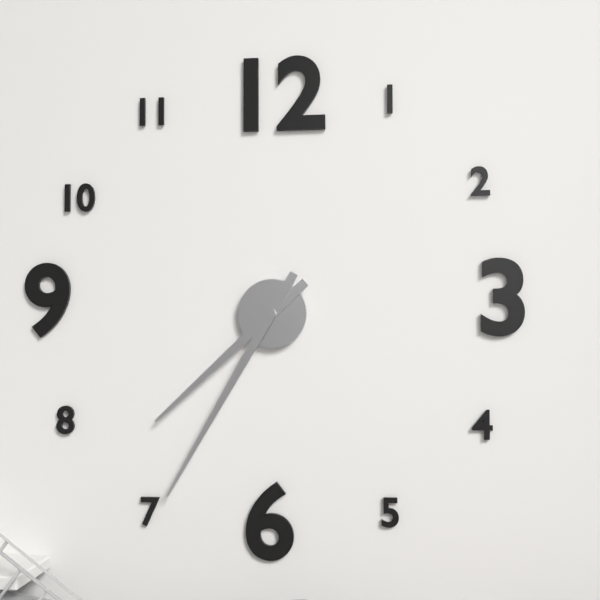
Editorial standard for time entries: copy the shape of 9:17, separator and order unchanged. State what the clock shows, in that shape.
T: 7:35
